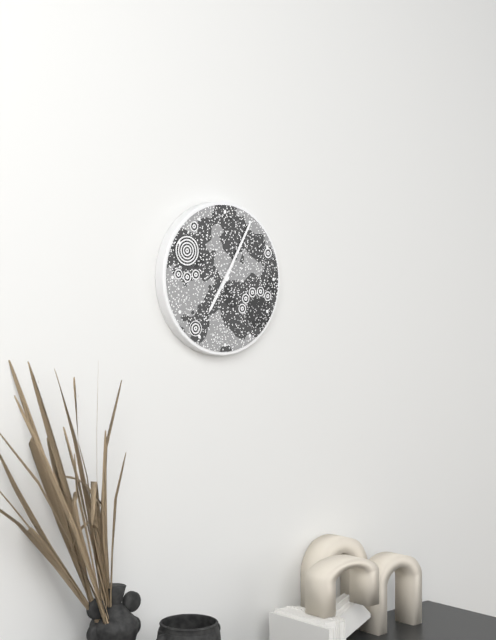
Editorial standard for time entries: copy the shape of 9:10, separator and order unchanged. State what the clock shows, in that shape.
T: 7:05
